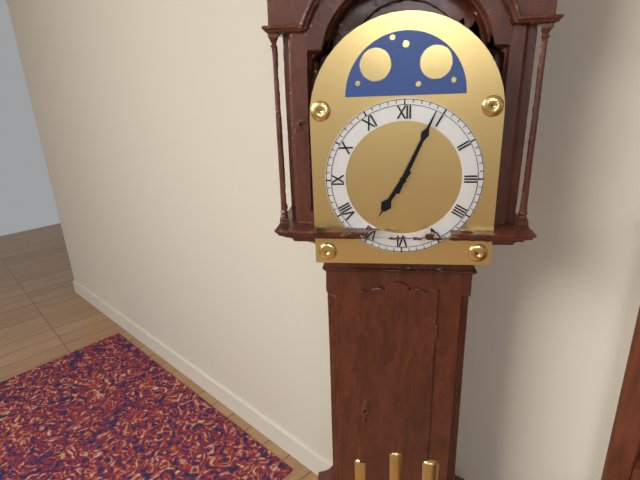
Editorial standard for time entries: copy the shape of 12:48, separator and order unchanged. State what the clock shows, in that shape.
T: 7:04
